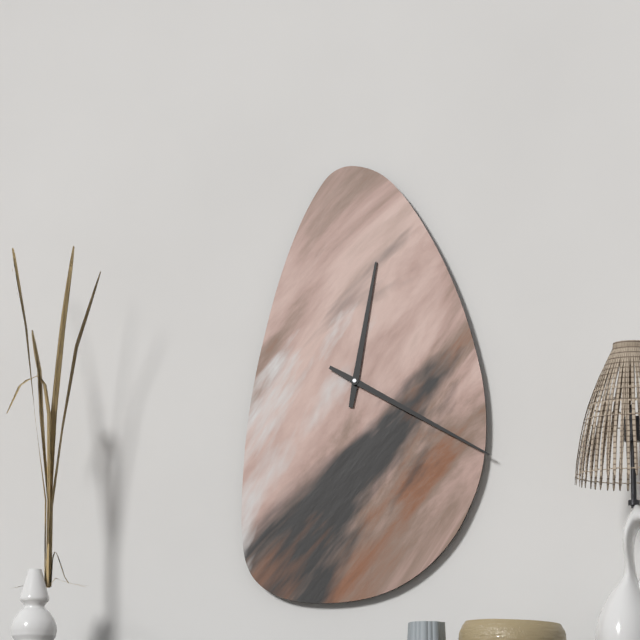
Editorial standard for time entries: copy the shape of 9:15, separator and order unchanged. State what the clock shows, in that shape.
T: 12:20
